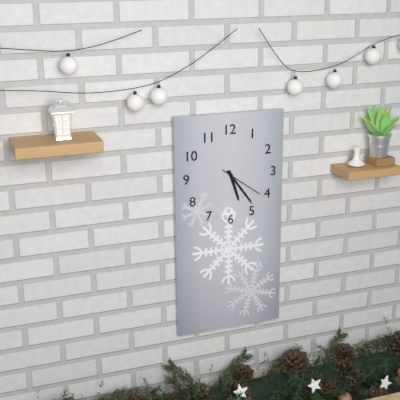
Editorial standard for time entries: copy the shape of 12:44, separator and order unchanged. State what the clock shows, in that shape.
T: 5:24
